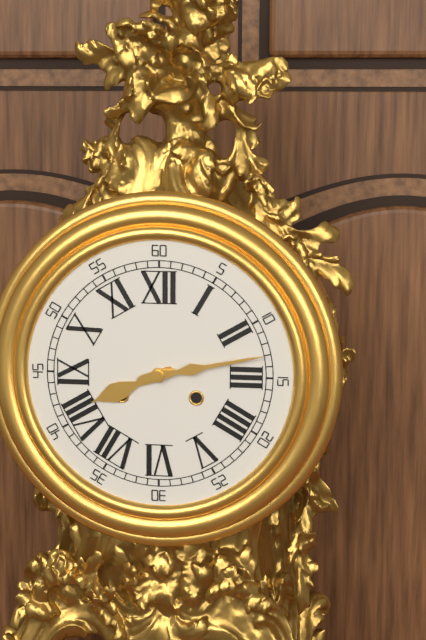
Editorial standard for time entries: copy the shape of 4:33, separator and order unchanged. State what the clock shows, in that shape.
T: 8:13
